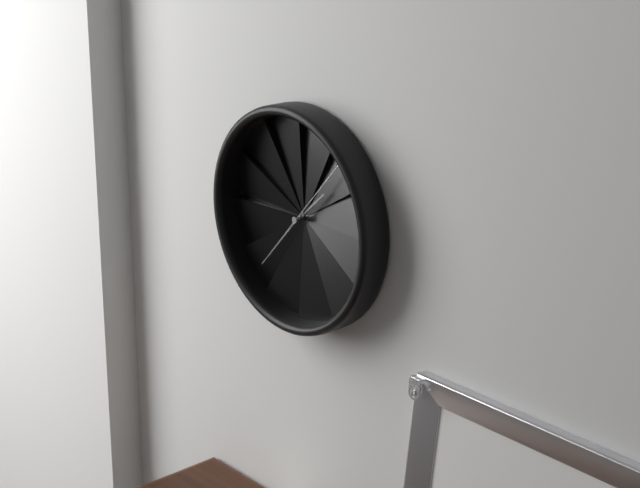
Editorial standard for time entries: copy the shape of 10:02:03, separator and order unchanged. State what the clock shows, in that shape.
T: 1:37:07
